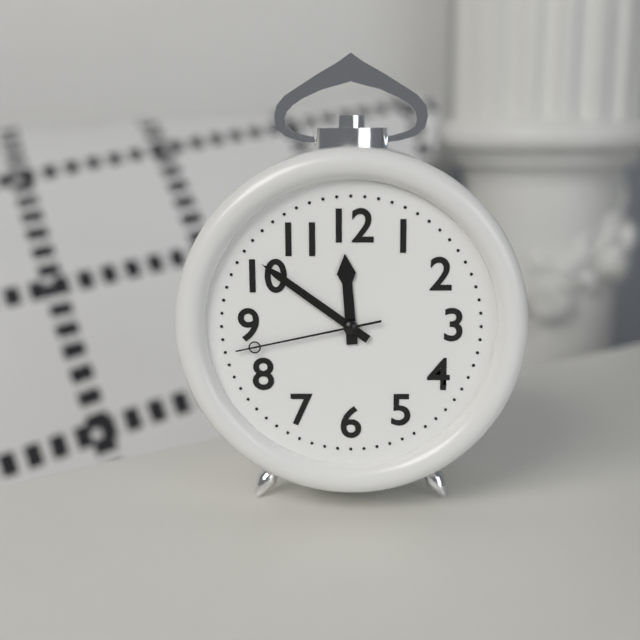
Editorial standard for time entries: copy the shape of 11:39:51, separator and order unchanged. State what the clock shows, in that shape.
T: 11:51:43
